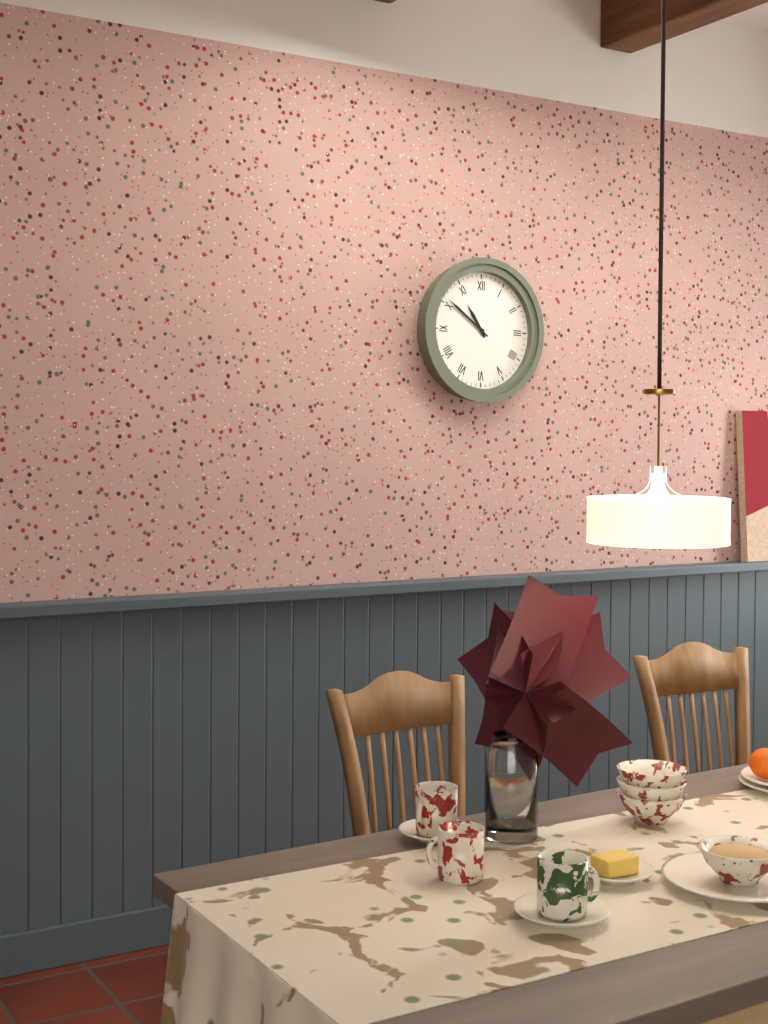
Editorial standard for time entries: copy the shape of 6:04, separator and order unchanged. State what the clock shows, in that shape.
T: 10:51
